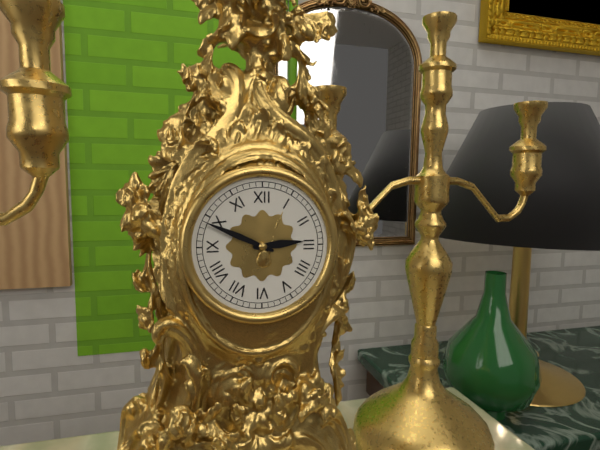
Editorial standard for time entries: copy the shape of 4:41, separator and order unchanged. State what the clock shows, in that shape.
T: 2:49
